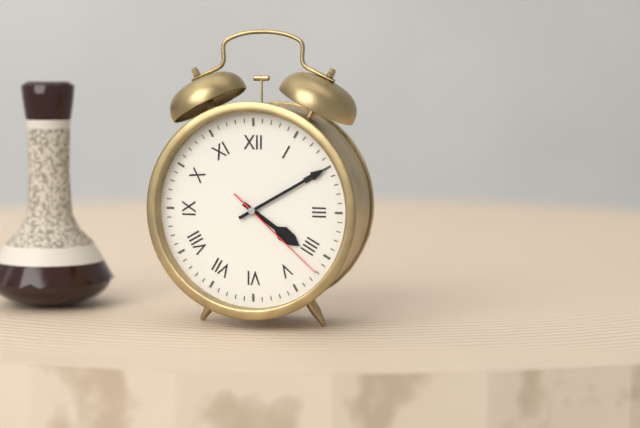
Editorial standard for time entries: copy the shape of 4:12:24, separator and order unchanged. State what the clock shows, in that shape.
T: 4:10:22
